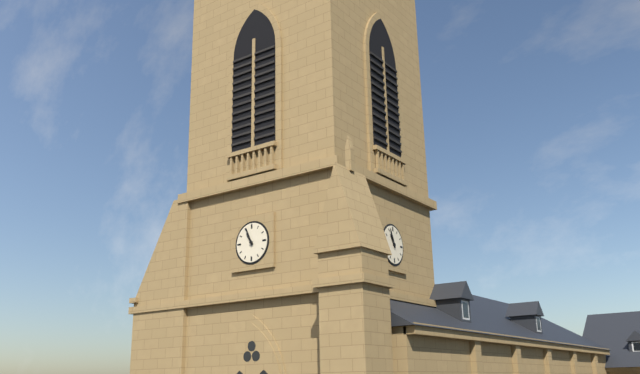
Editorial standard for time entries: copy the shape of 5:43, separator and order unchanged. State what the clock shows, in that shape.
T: 10:56
